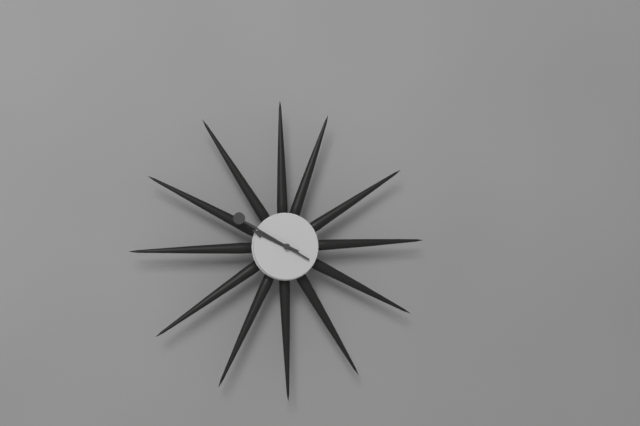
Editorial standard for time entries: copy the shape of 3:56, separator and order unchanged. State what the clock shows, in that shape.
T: 9:50
